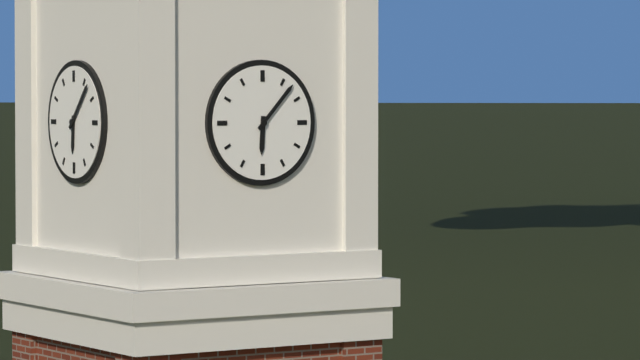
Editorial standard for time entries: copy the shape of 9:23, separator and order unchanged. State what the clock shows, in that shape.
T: 6:07
